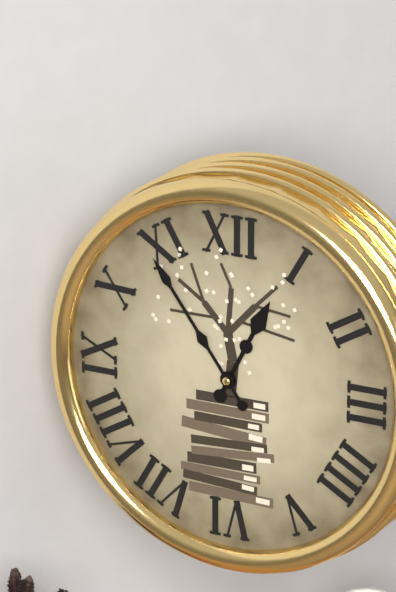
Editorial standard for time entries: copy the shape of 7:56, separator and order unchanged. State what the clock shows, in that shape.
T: 12:54
